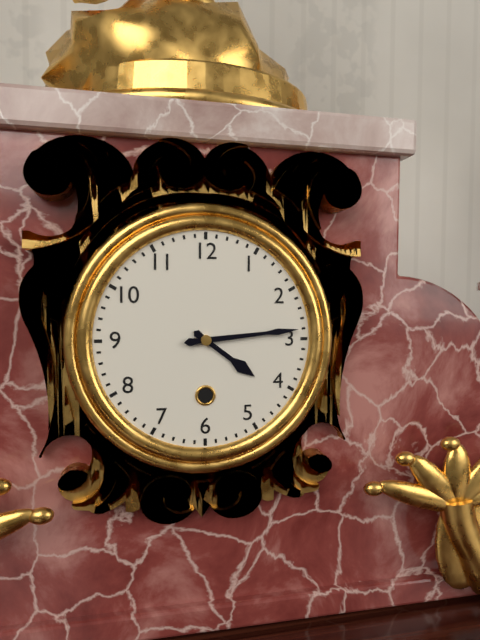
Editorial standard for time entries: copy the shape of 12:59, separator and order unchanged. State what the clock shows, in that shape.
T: 4:14
